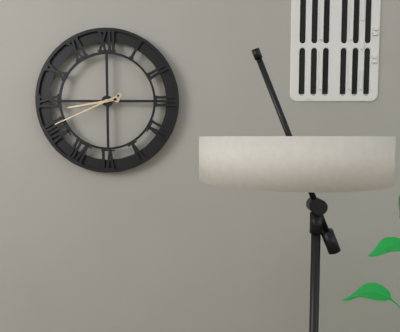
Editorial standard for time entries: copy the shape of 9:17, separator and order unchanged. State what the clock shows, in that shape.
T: 8:41
